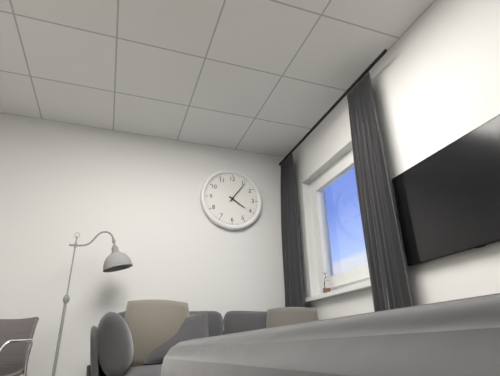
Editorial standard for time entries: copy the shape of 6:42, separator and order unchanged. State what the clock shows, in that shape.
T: 4:06
